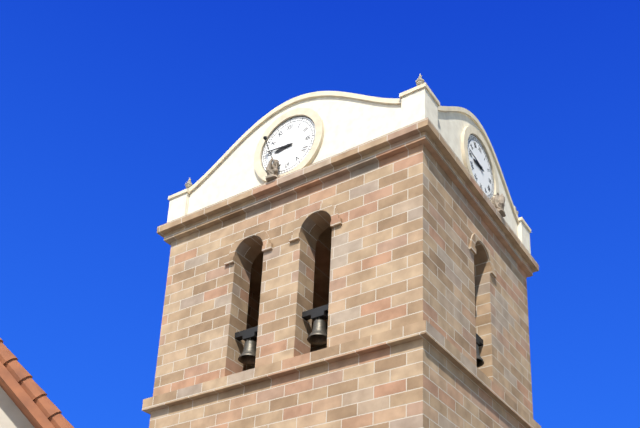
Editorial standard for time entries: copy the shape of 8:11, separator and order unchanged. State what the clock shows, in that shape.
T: 8:46
